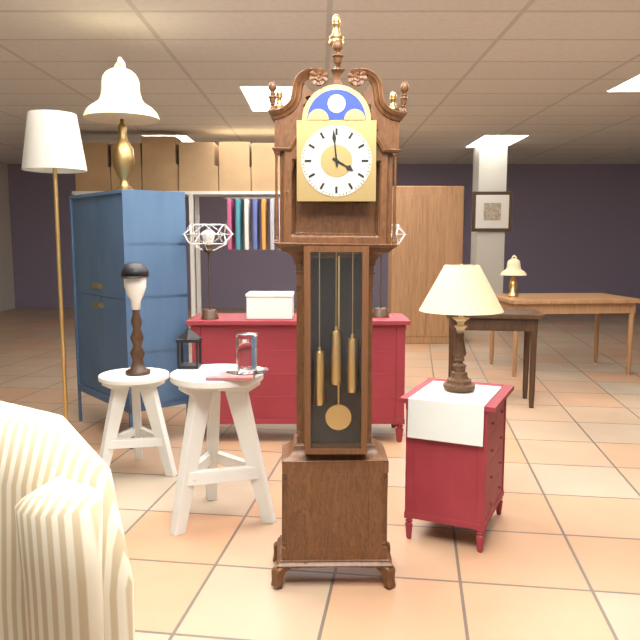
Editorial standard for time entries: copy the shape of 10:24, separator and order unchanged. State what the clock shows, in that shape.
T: 3:59
